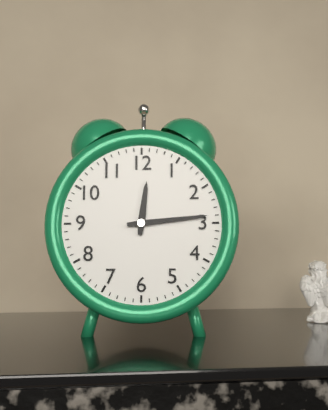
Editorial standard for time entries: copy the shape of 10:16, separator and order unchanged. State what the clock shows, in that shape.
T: 12:14
